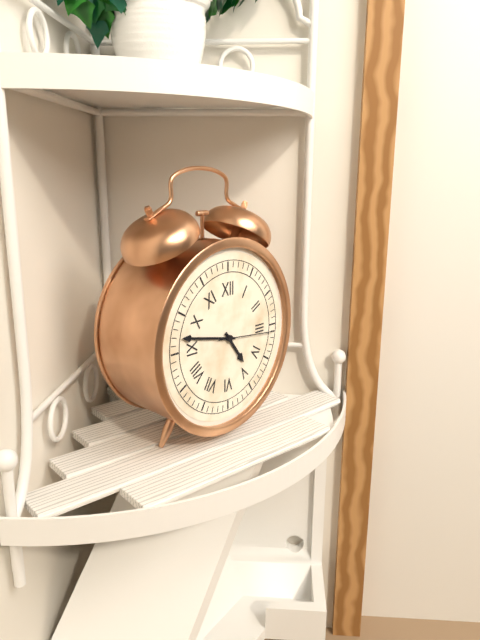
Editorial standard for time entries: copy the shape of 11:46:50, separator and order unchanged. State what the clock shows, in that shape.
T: 4:47:16
